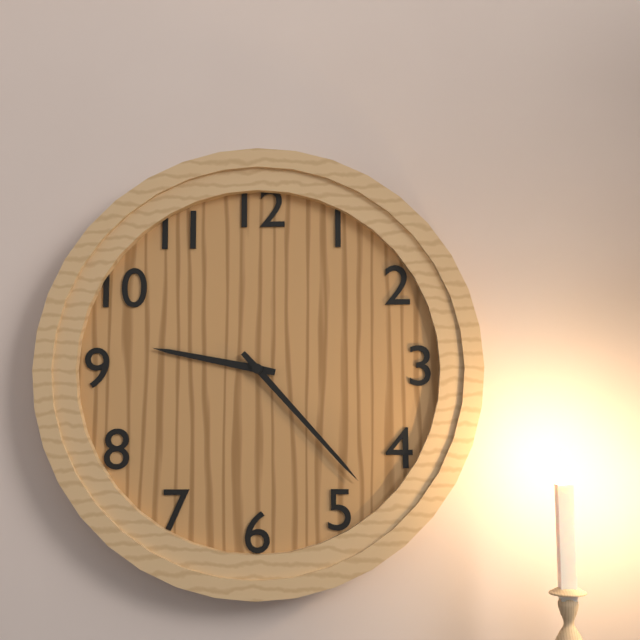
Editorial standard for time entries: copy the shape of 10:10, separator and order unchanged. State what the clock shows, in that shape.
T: 9:23
